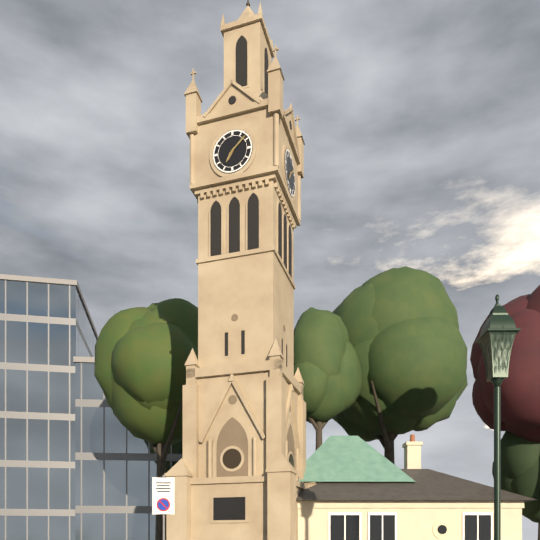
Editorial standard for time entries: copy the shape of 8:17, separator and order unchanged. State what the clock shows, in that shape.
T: 7:08
